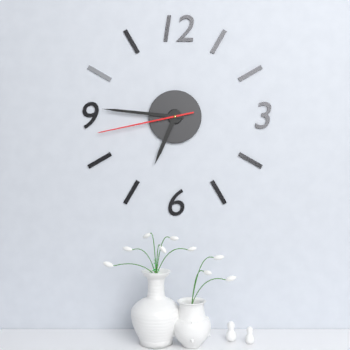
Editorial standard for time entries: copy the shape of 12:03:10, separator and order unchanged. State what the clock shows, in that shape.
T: 6:46:43
